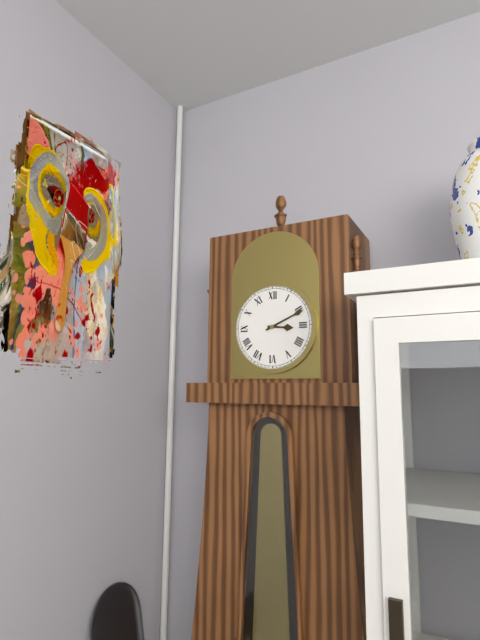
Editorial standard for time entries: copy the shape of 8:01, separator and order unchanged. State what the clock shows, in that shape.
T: 3:11
